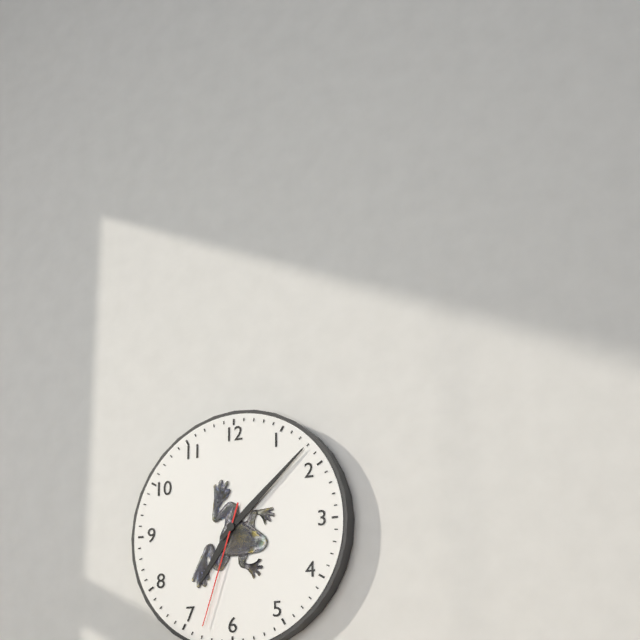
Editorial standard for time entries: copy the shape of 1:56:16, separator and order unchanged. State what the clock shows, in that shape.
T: 7:08:33
